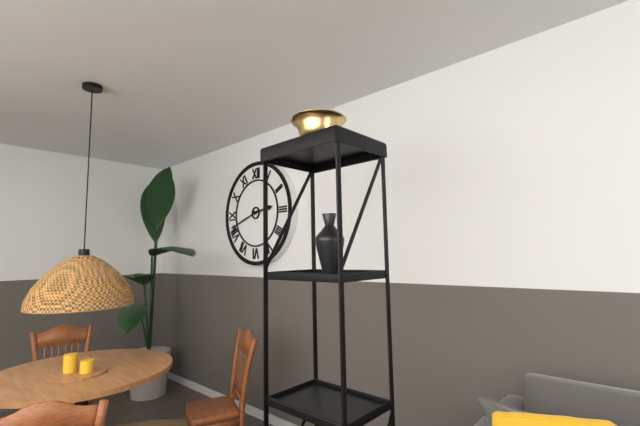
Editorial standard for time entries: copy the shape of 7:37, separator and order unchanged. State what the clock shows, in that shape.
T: 2:42
